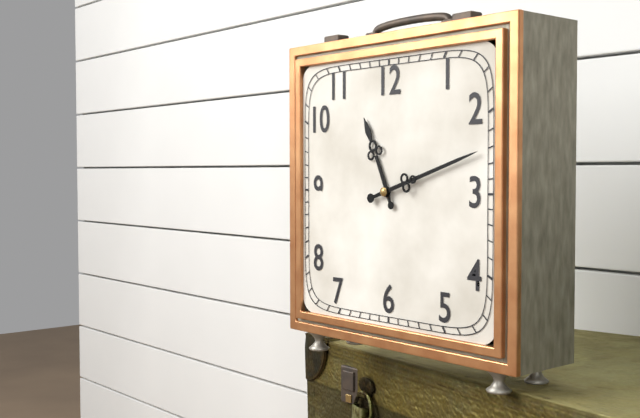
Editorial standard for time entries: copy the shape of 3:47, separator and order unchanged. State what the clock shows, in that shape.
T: 11:12
